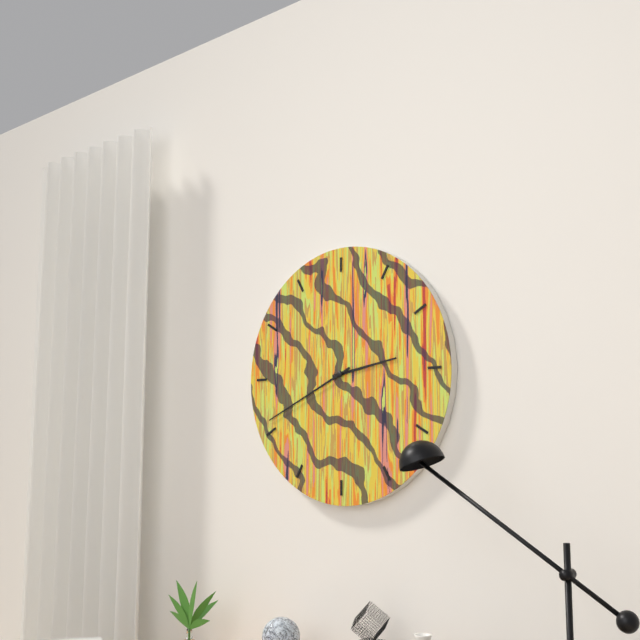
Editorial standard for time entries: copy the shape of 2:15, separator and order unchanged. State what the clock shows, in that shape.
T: 2:41
